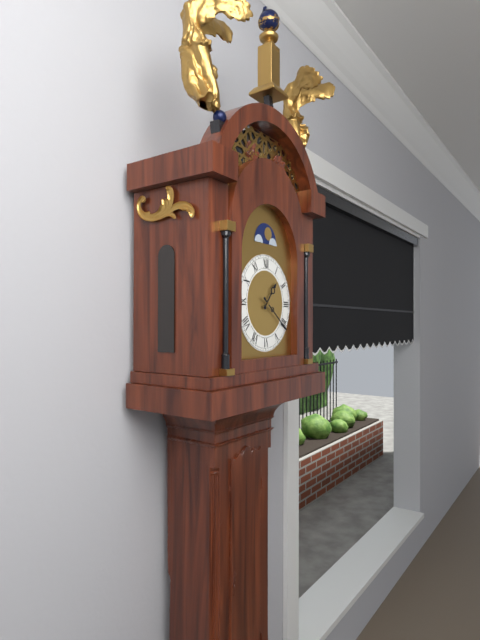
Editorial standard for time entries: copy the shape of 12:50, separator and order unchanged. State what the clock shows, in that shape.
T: 1:21
